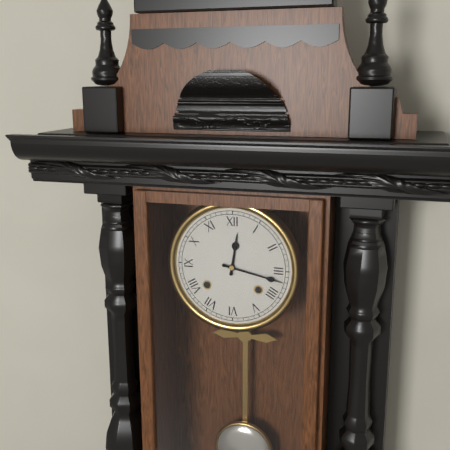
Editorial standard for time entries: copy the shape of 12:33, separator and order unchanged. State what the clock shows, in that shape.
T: 12:17
